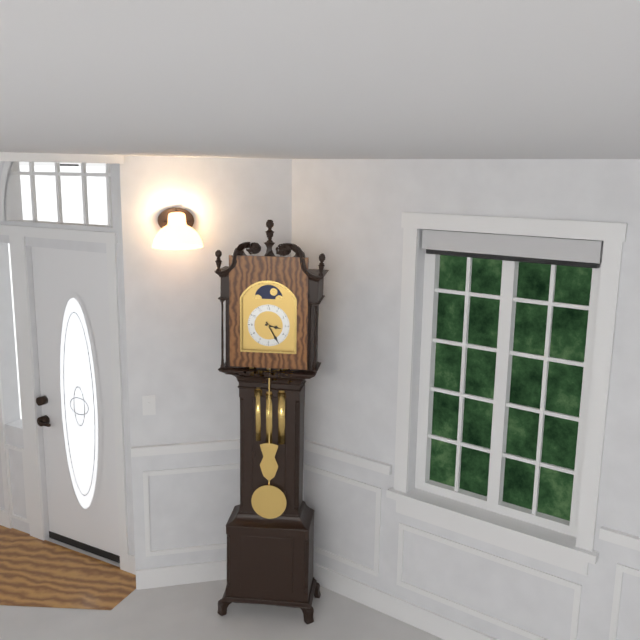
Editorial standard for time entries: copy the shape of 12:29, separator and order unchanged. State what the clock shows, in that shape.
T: 3:25
